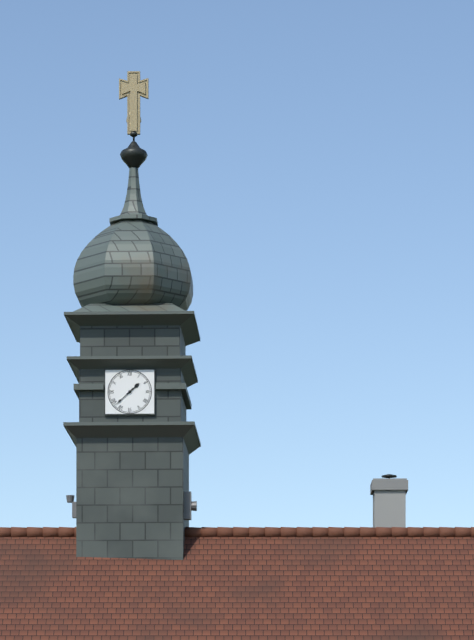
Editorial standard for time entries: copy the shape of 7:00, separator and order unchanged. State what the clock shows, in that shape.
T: 1:38
